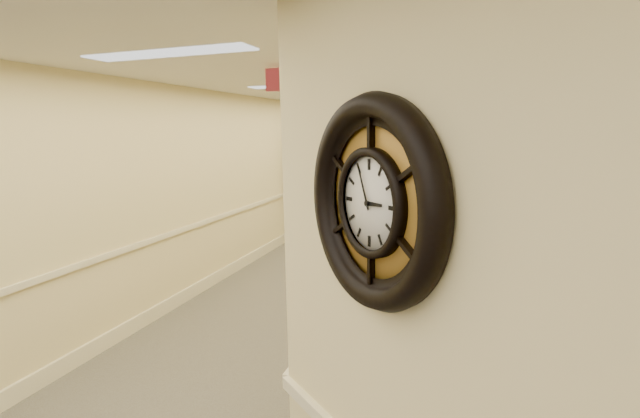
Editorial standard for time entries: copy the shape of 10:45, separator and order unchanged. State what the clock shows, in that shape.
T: 2:56
